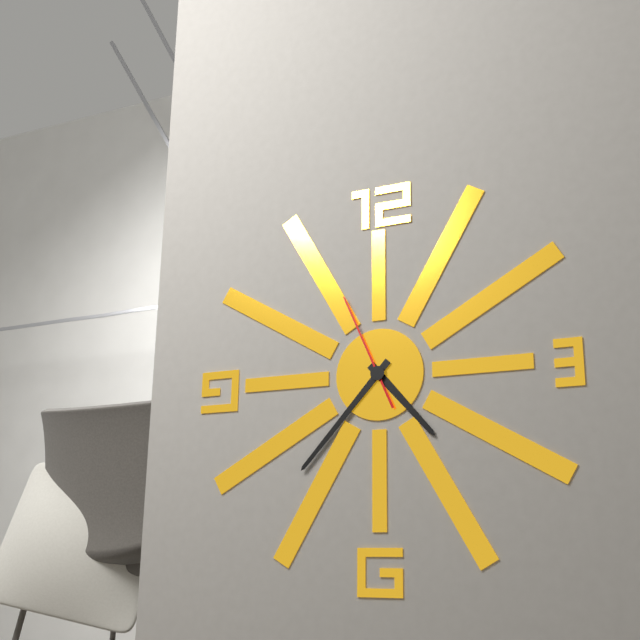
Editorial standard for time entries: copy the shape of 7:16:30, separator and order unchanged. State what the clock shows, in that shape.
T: 4:37:56
